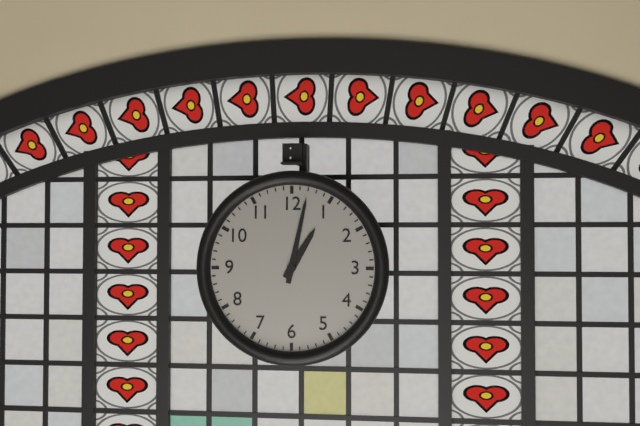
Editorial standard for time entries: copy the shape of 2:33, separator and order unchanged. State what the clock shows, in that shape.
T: 1:02
